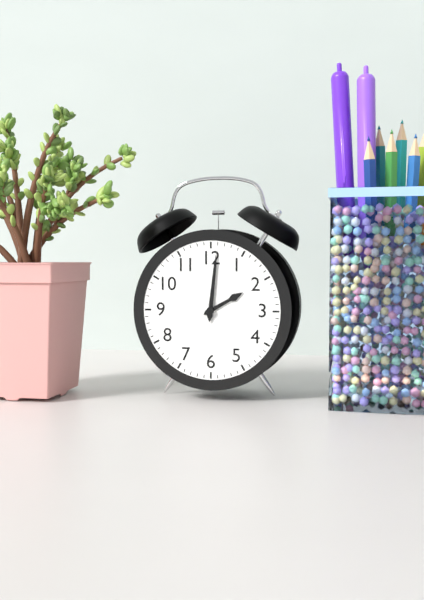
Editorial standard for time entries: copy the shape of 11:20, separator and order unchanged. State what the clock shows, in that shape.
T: 2:01
